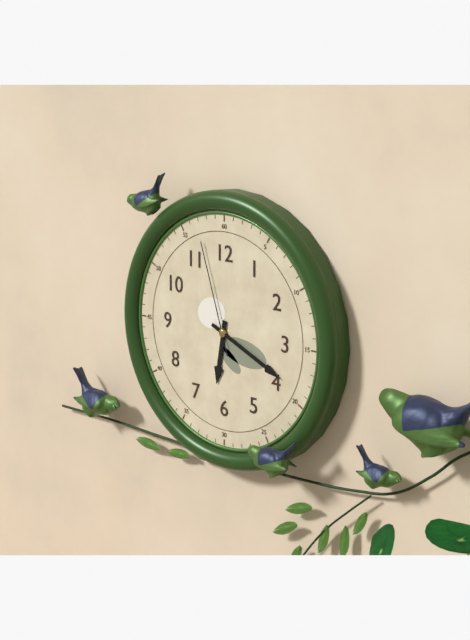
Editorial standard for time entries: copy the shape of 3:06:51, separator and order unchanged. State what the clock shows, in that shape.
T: 6:19:57
